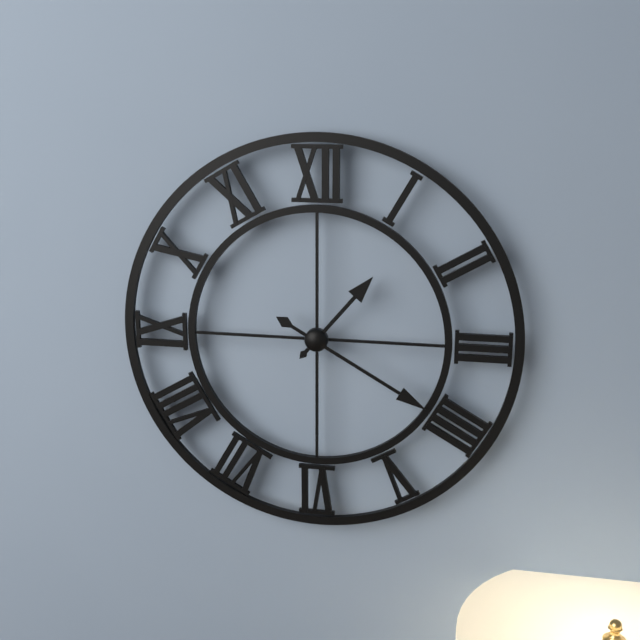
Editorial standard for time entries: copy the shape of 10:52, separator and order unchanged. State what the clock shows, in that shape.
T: 1:20
